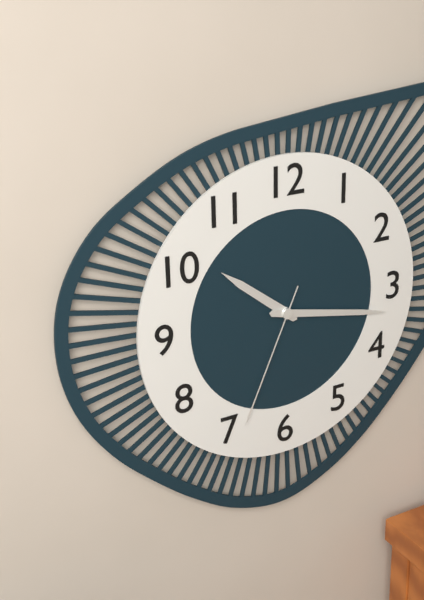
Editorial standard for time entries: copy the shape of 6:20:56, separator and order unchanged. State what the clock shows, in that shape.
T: 10:17:34
